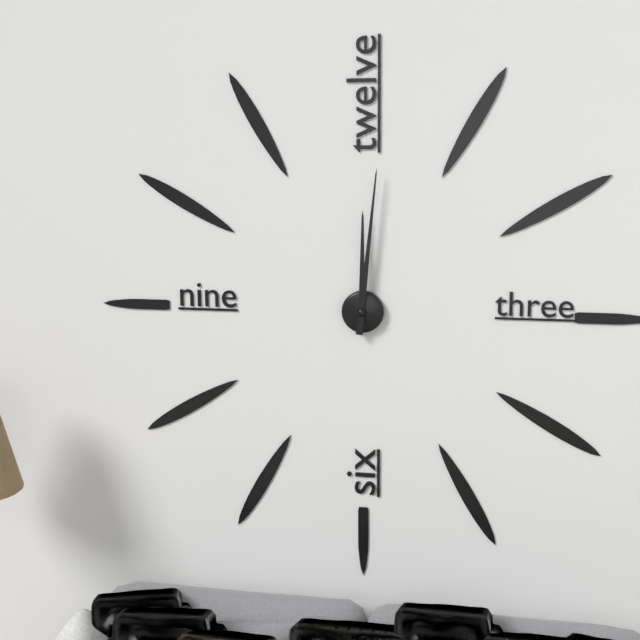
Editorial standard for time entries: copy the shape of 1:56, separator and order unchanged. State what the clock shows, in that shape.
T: 12:01
